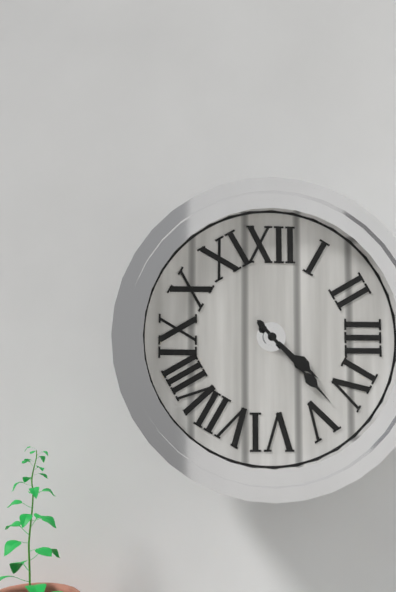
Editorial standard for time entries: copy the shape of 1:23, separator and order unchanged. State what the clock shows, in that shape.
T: 4:23
